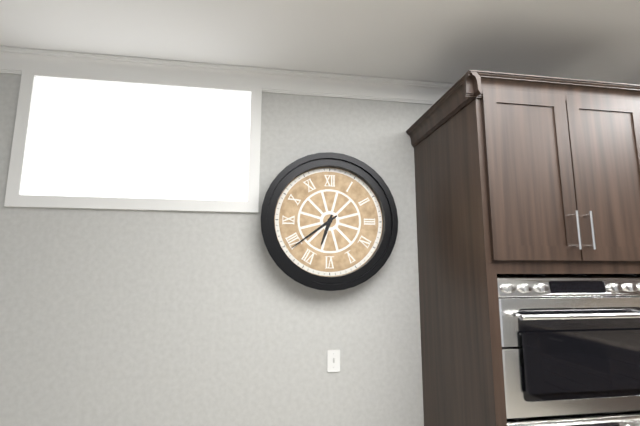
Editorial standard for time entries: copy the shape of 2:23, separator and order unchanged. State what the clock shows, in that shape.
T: 6:39
